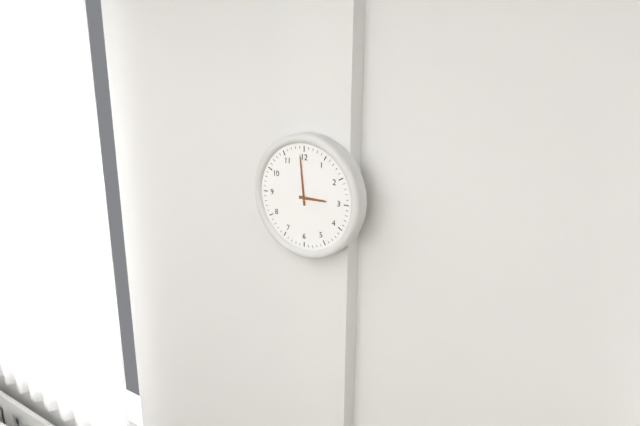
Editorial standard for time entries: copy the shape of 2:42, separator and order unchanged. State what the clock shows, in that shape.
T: 2:59
